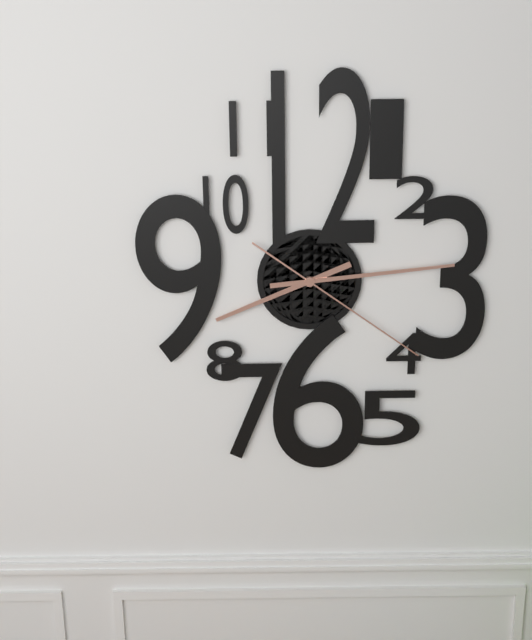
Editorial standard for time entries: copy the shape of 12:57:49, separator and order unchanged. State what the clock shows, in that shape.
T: 8:14:21
